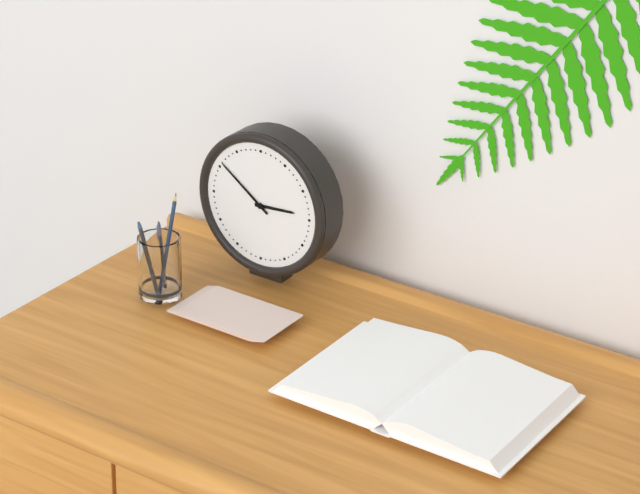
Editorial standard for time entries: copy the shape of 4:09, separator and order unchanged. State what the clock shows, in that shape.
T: 2:51
